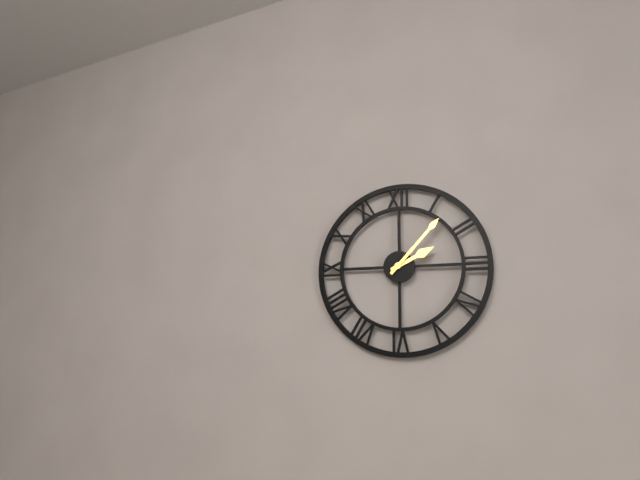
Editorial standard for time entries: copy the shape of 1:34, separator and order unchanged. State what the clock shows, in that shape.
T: 2:07
